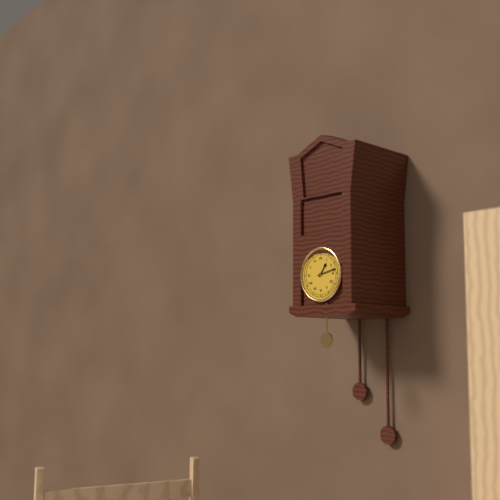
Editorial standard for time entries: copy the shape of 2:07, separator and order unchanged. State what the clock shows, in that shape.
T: 1:13
